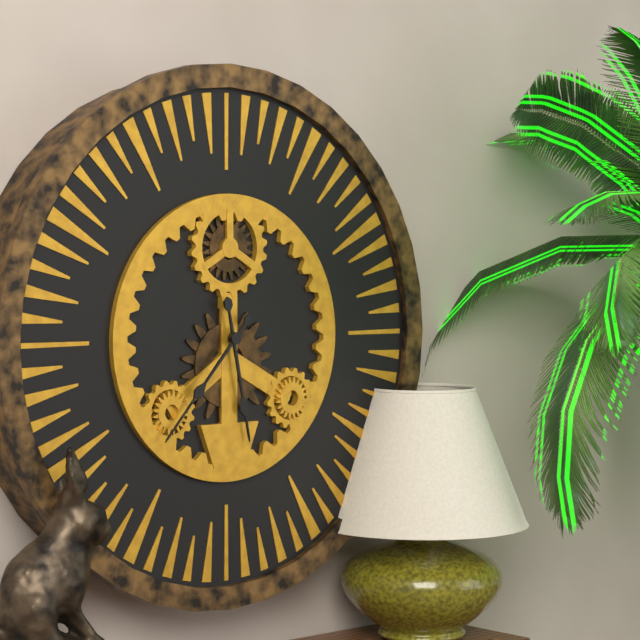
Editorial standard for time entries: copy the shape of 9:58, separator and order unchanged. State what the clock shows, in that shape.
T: 5:37
